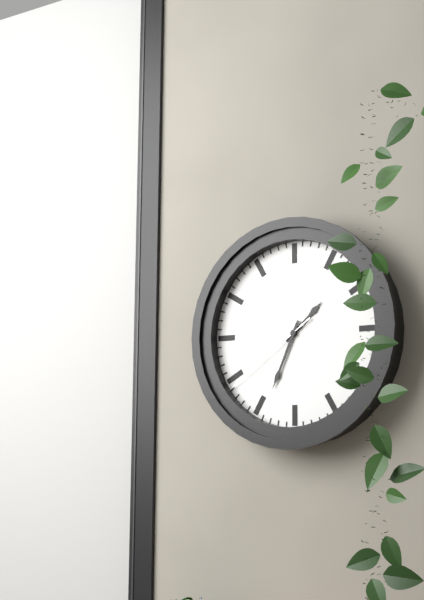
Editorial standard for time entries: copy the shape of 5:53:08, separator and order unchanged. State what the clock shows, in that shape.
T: 1:34:39
